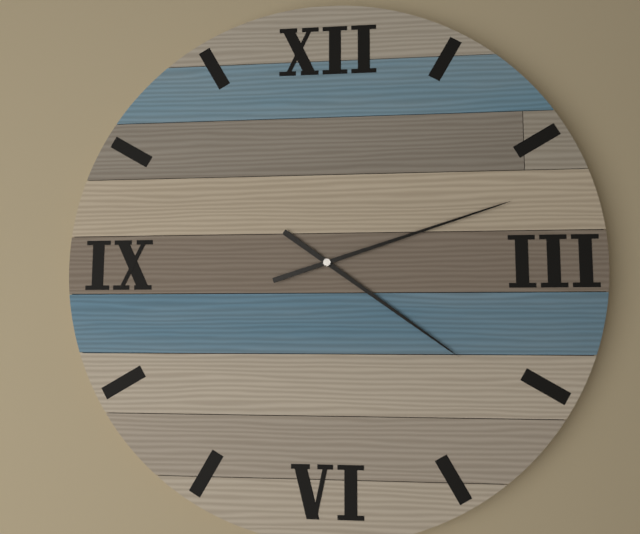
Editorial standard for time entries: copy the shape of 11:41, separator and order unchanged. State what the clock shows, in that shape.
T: 4:12
